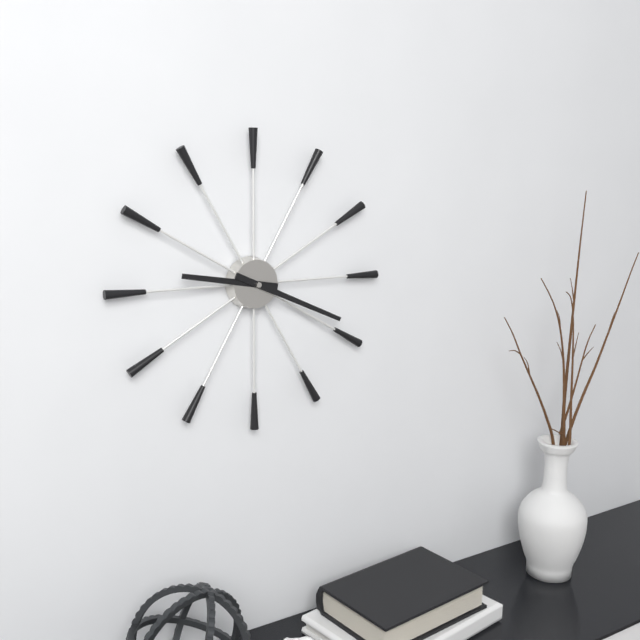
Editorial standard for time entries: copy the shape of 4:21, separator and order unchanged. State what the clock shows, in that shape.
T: 9:19
